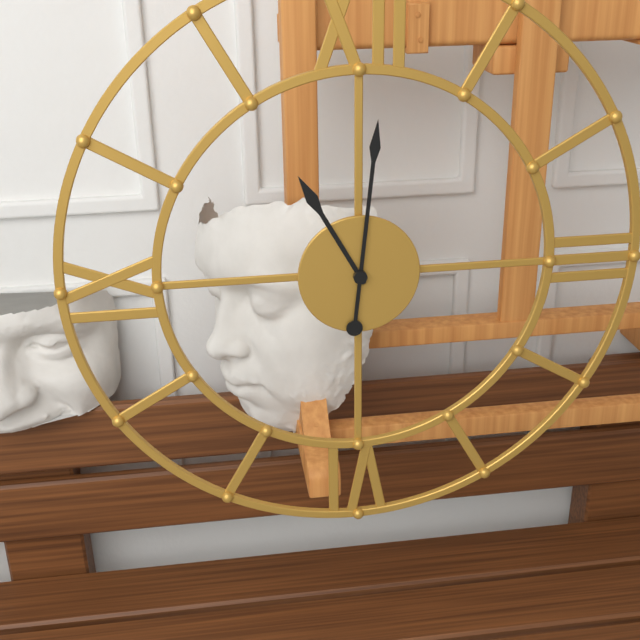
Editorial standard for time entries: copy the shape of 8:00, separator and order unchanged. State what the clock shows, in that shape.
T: 11:01
